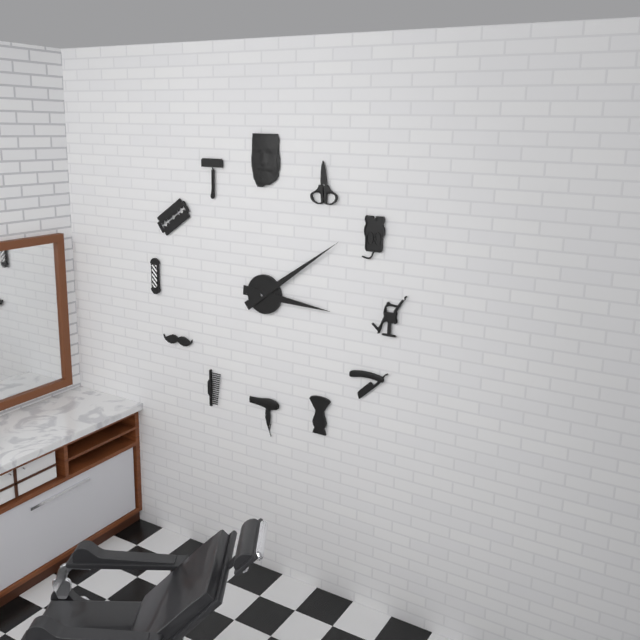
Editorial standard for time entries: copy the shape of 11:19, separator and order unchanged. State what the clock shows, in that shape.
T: 3:09
